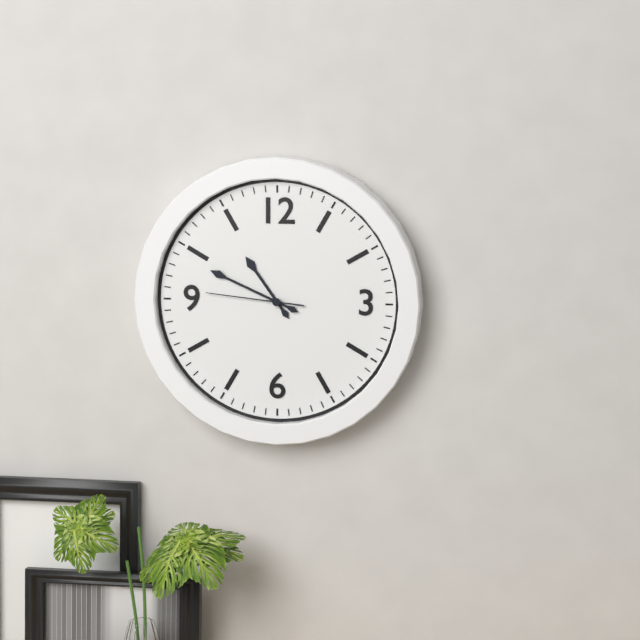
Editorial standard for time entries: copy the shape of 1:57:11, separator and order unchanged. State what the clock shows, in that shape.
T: 10:49:46
